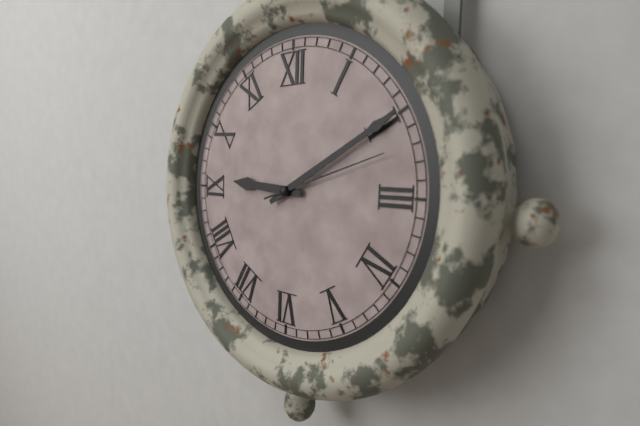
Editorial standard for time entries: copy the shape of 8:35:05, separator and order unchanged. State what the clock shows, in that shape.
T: 9:10:12
